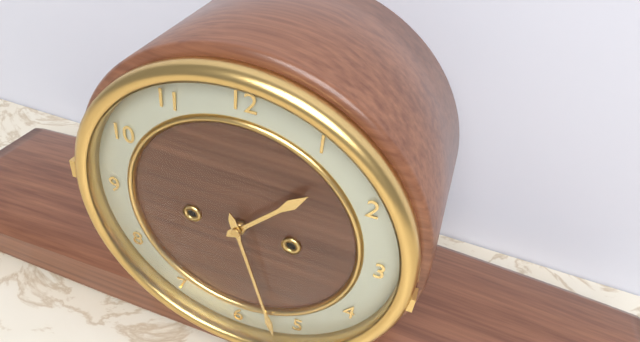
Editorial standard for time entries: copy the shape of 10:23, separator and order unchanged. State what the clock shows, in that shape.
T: 1:27
